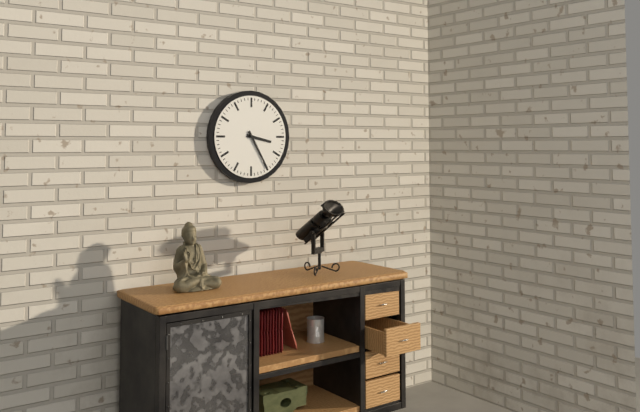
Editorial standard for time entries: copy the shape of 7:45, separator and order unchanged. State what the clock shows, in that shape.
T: 3:25
